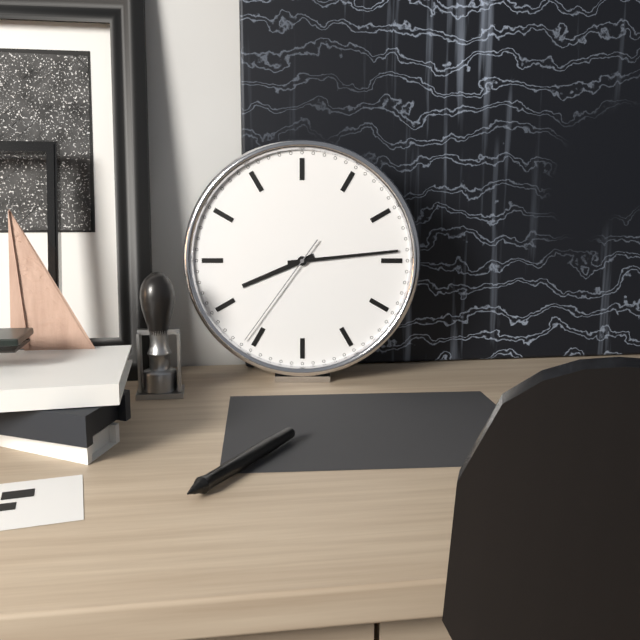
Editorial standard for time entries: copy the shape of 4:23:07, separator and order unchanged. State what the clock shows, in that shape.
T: 8:14:36
